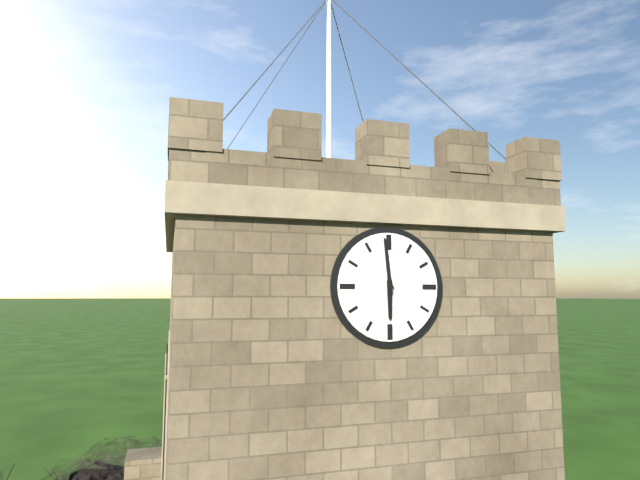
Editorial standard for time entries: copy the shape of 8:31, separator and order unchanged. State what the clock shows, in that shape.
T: 5:59
